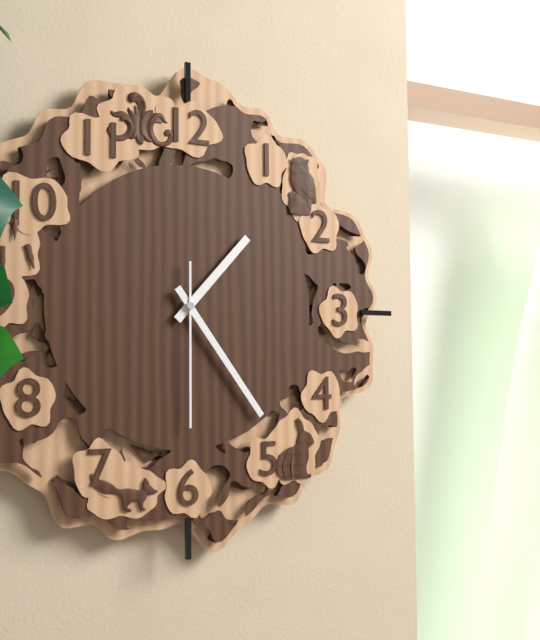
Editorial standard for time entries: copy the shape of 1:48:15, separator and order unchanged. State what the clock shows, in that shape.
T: 1:24:30
